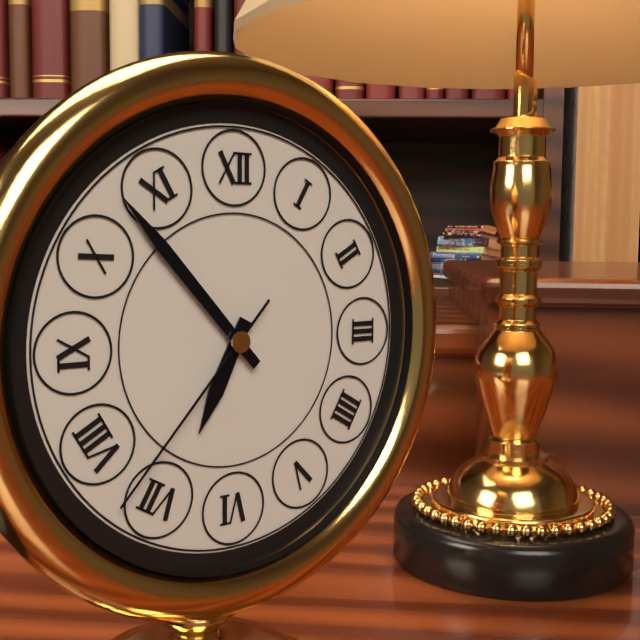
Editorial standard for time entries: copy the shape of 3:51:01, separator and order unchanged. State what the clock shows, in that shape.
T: 6:53:37
